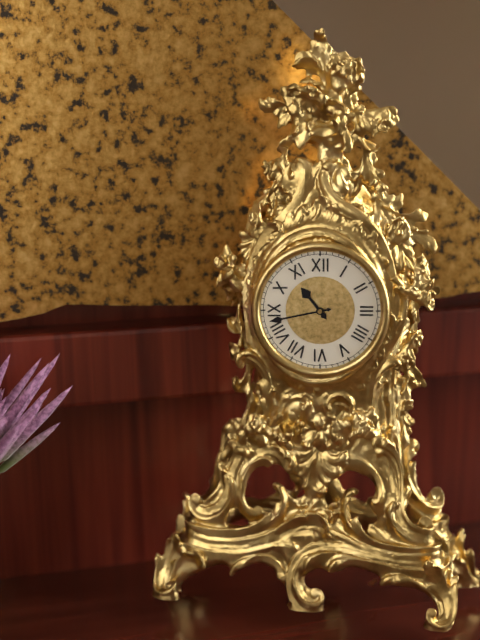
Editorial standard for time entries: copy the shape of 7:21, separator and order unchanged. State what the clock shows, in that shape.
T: 10:43
